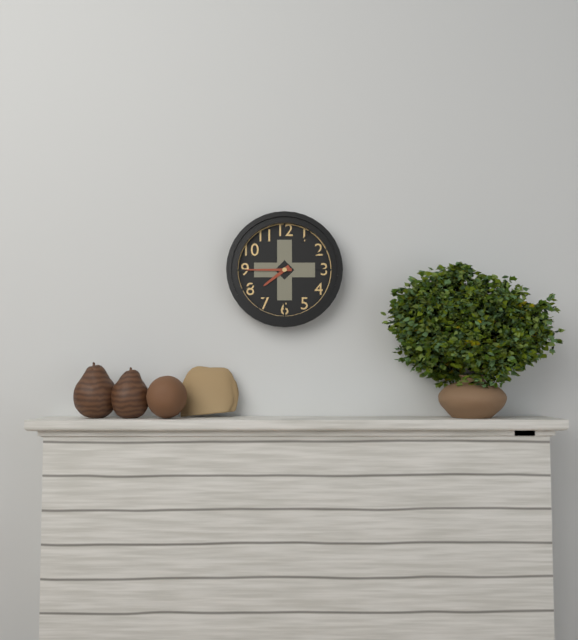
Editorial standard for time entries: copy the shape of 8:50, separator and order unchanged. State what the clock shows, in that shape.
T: 7:45
